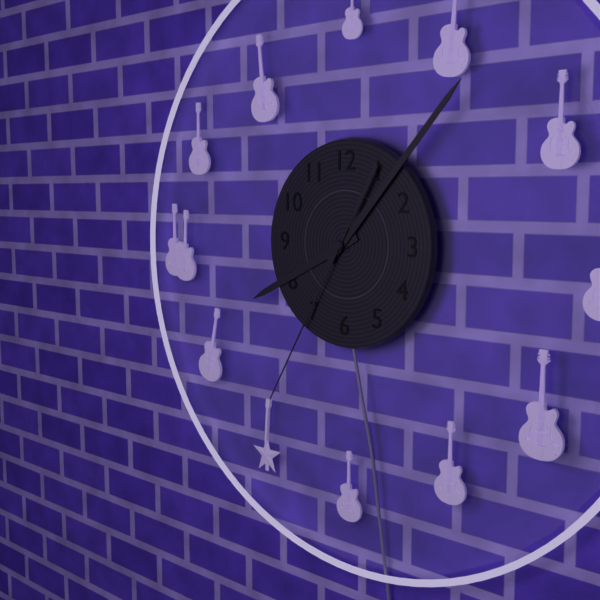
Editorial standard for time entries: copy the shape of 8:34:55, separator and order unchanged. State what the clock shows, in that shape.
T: 8:07:35
